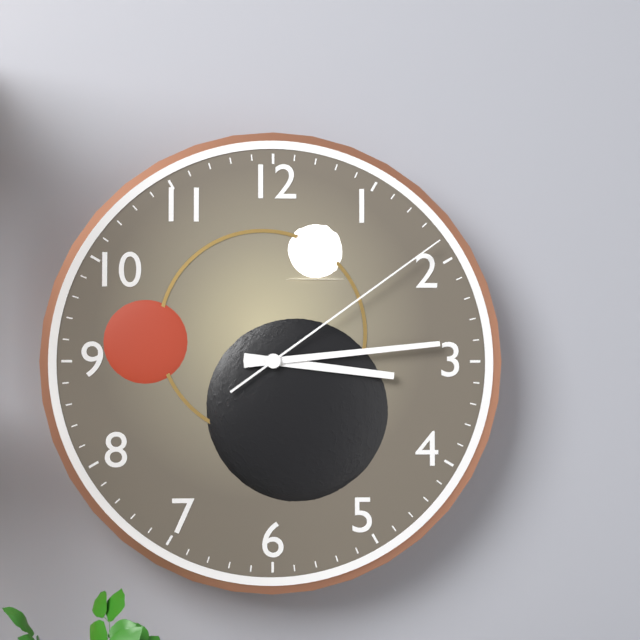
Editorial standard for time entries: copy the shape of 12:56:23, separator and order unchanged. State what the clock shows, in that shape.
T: 3:14:09
